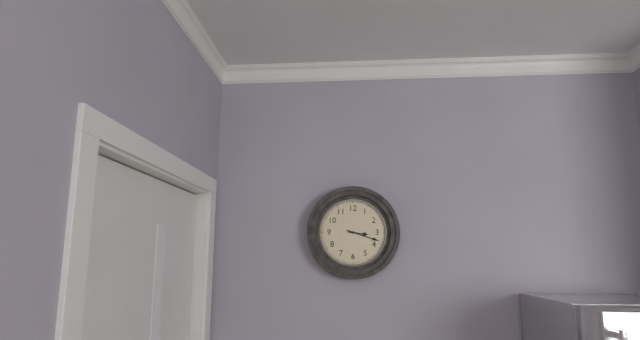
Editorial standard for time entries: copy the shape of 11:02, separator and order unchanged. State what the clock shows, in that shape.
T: 3:18
